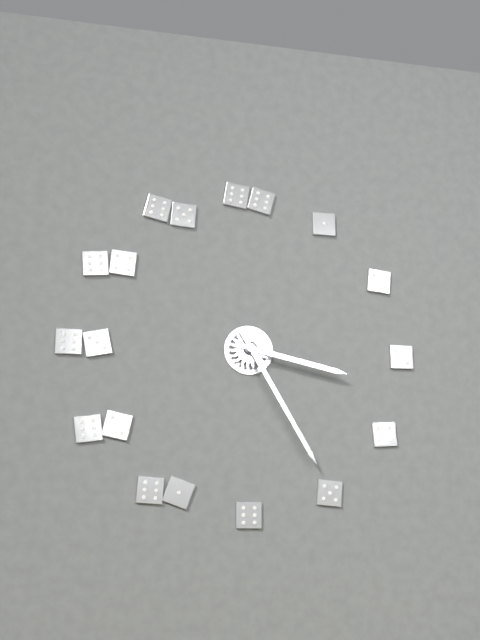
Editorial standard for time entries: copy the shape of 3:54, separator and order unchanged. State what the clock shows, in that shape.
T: 3:25
